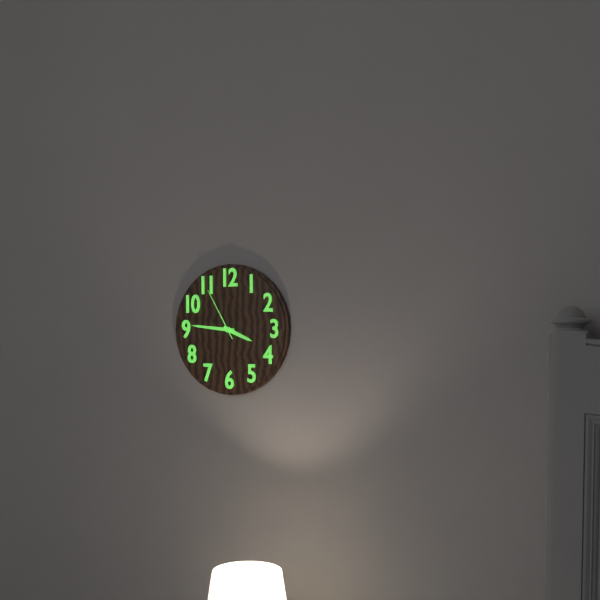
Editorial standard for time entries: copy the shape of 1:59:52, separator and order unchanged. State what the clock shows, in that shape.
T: 3:46:55
